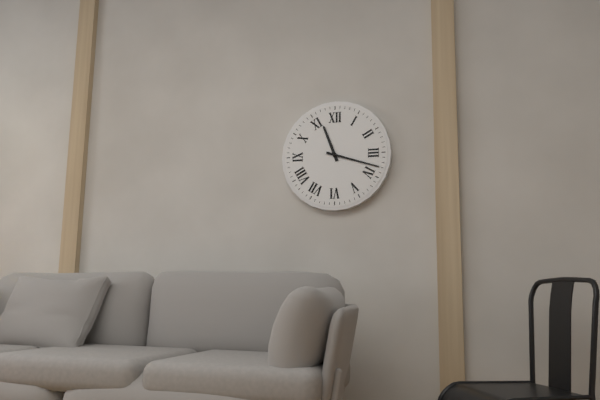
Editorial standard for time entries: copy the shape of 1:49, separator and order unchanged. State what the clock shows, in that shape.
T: 11:18
